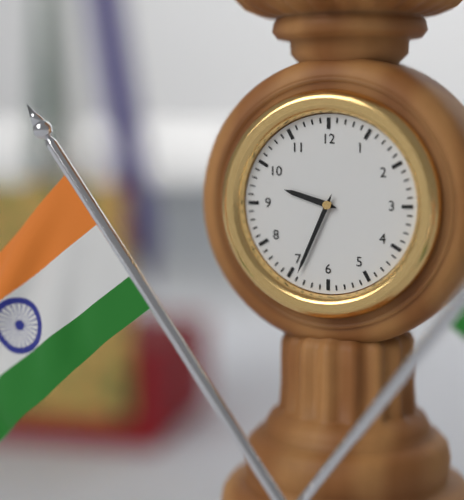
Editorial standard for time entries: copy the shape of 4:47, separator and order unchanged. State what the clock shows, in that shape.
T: 9:34
